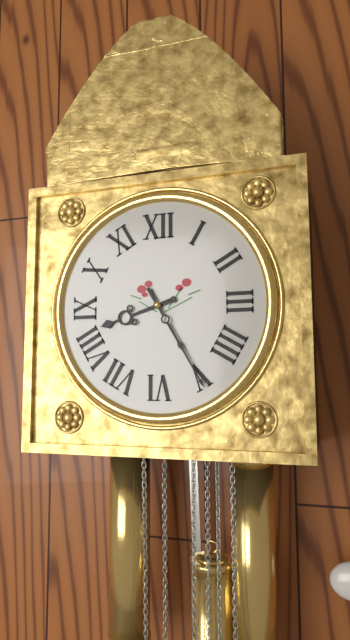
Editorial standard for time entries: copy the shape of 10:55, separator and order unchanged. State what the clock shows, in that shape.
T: 8:25
